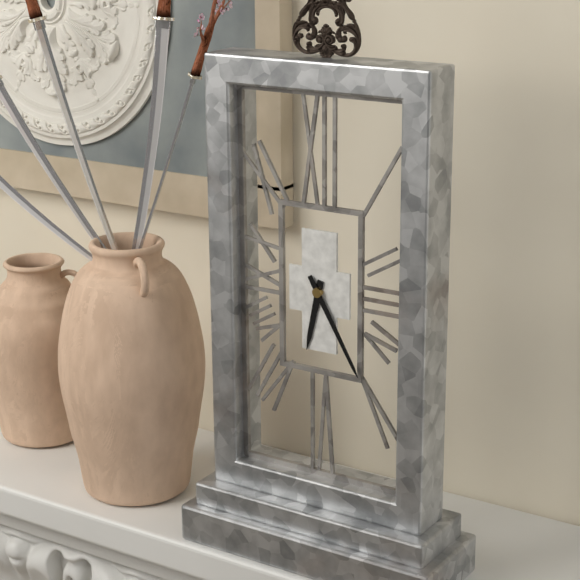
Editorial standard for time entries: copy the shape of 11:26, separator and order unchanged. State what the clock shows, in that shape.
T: 6:25
